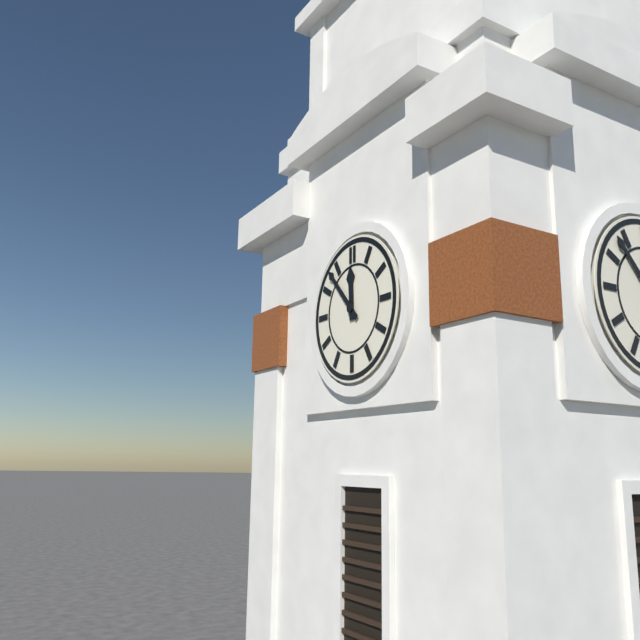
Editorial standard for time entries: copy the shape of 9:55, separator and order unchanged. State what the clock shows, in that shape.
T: 11:53
